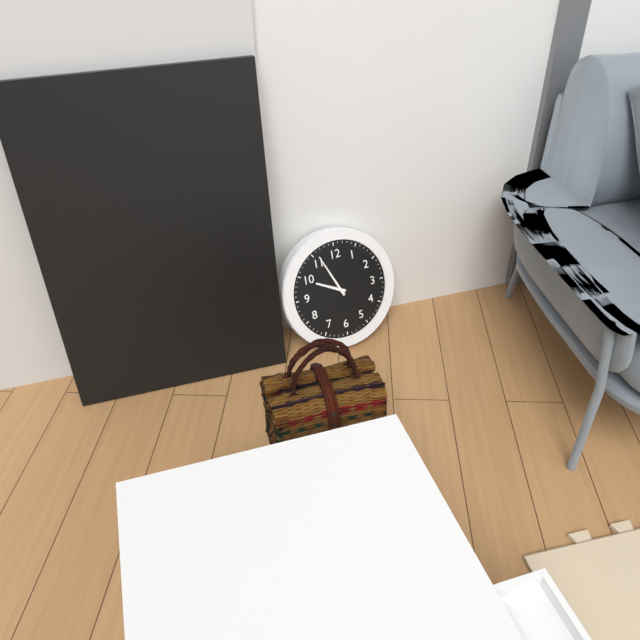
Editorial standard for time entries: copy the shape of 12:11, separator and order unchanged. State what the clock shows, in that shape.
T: 9:56
